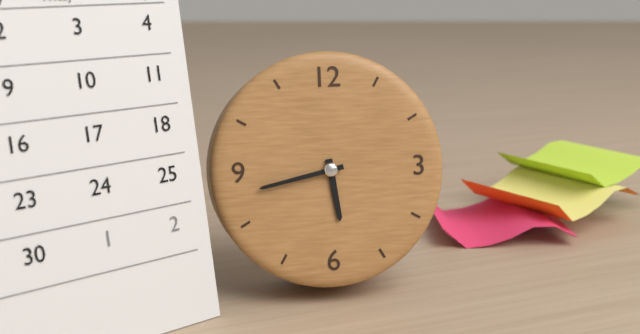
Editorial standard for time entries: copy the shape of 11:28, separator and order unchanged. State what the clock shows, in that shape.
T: 5:43
